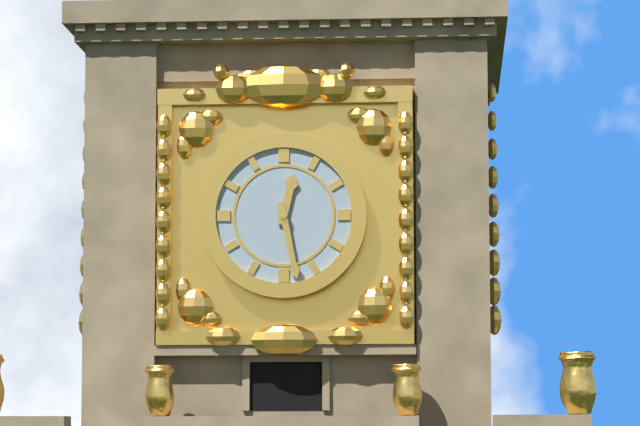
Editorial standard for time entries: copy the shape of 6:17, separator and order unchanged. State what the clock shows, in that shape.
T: 12:28
